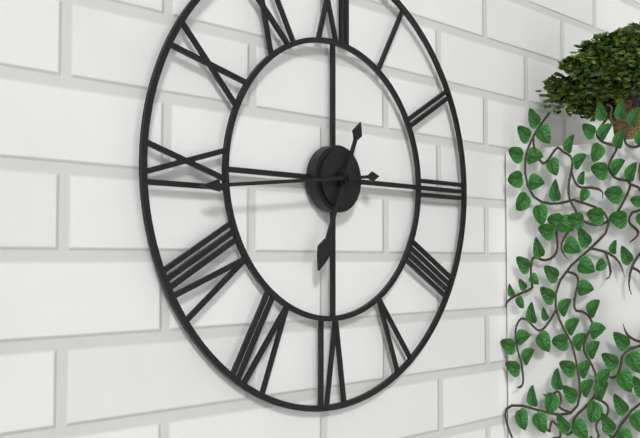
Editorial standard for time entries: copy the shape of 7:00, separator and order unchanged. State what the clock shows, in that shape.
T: 6:44
